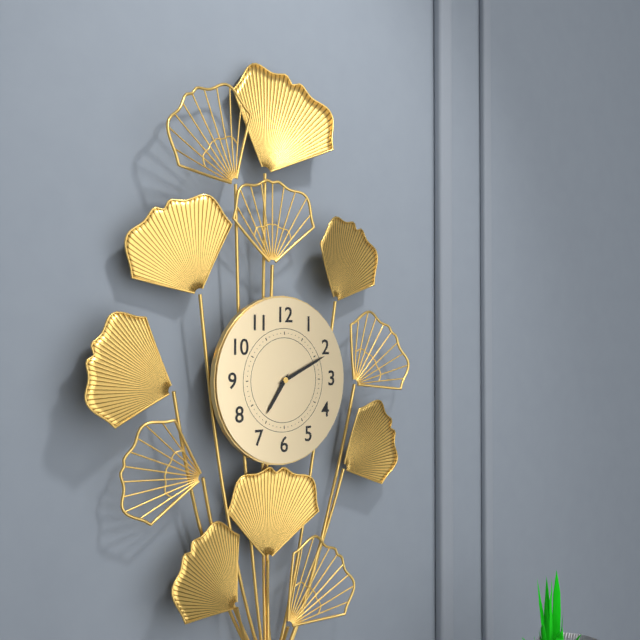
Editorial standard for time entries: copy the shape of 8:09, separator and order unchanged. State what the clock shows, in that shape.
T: 7:11
